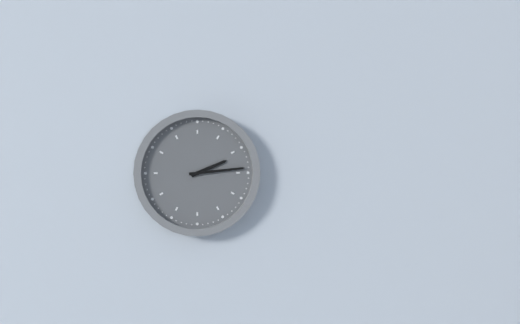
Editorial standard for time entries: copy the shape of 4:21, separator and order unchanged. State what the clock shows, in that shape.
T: 2:14
